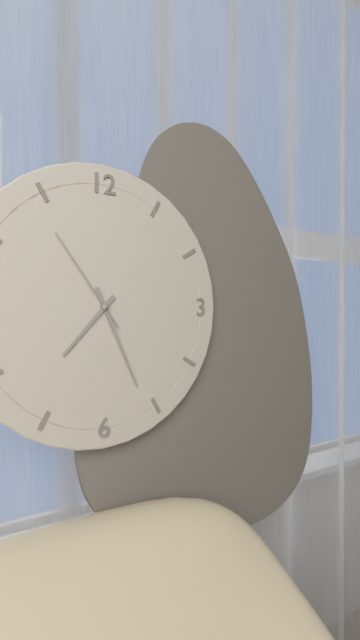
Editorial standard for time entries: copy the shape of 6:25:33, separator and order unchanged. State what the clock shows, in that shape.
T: 7:26:54
